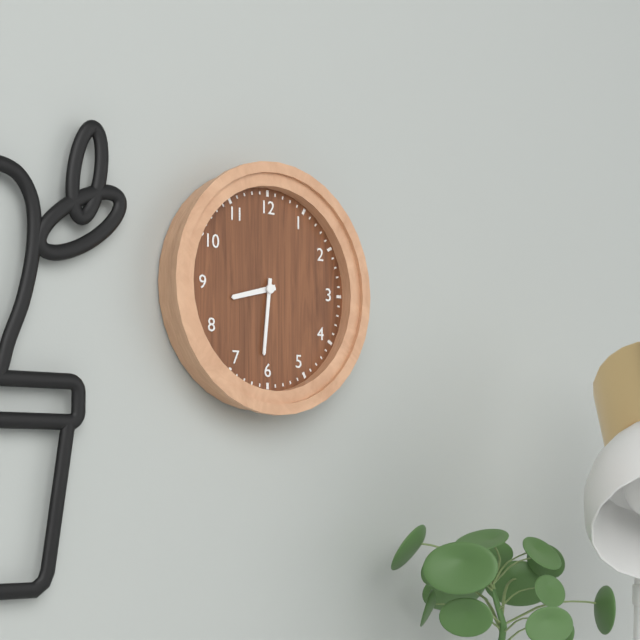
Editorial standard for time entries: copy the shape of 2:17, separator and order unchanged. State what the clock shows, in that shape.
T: 8:31
